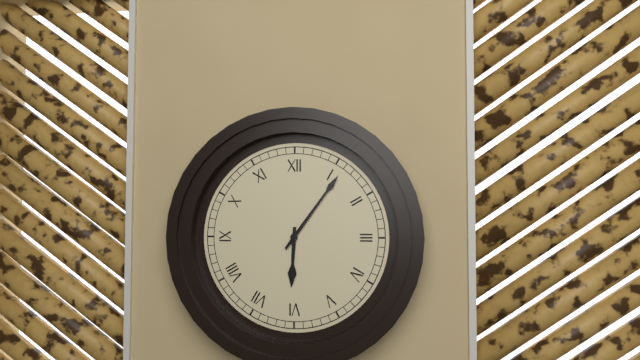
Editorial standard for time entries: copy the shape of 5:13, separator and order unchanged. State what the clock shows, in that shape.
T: 6:06
